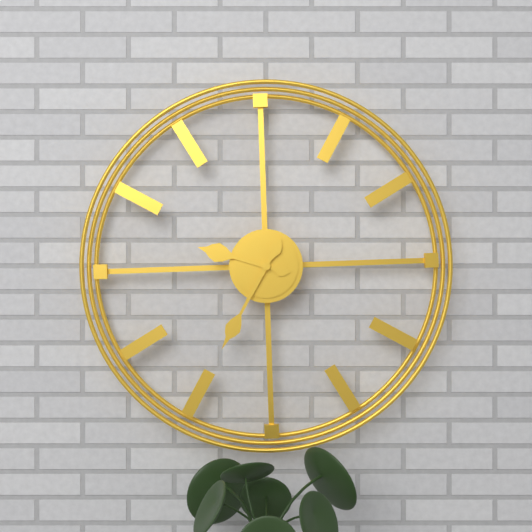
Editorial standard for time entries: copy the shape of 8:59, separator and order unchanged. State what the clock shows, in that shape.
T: 9:35
